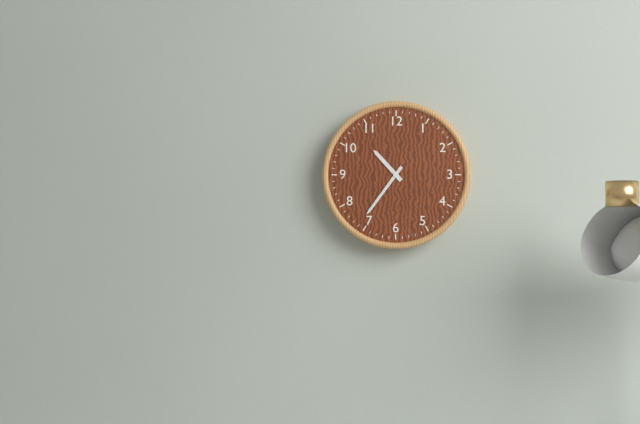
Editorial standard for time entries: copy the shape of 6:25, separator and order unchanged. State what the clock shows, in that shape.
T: 10:36
